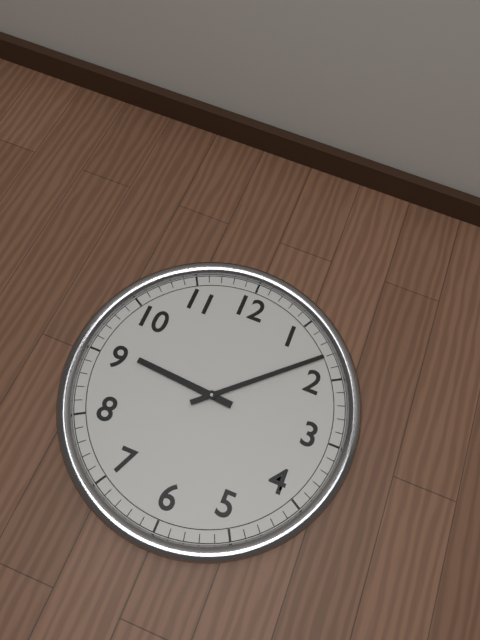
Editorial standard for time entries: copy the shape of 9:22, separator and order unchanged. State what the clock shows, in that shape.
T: 9:08
